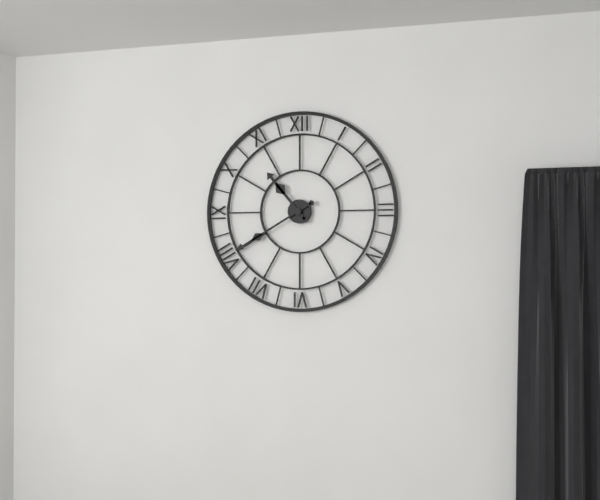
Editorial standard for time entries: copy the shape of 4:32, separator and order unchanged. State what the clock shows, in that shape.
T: 10:40
